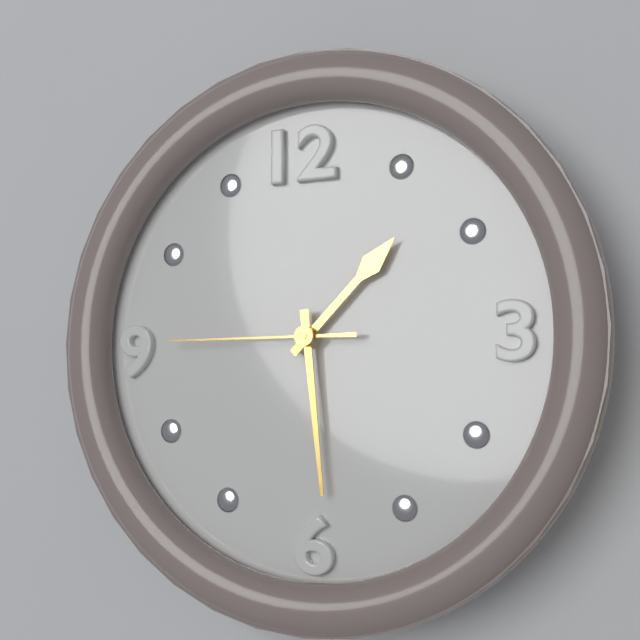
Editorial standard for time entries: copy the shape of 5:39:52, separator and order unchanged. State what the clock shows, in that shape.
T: 1:29:45
